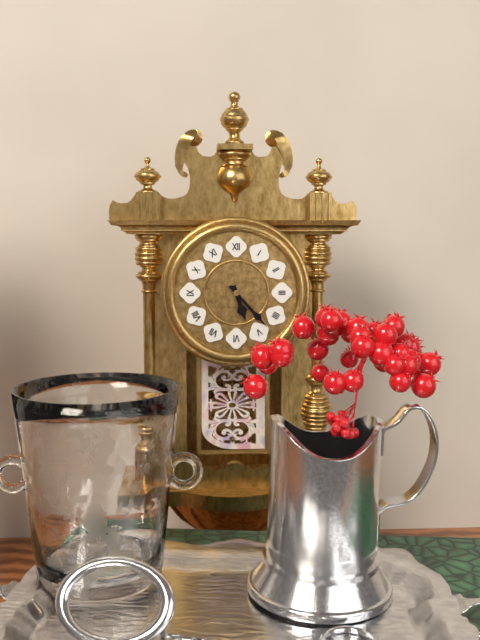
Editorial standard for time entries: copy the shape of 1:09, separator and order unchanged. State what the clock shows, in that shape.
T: 5:23
